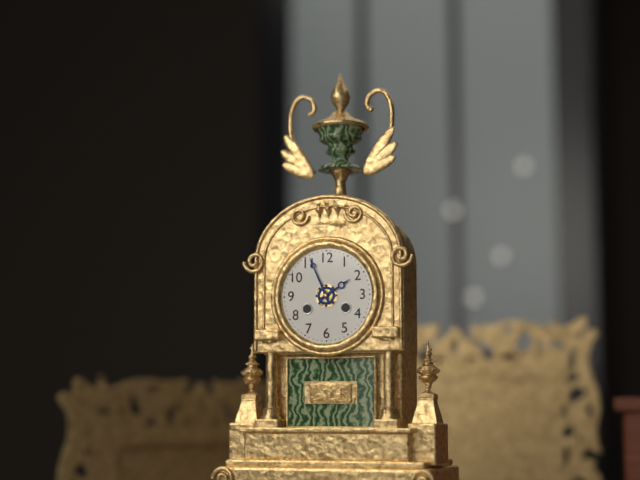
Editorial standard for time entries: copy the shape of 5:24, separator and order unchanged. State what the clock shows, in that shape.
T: 1:56
